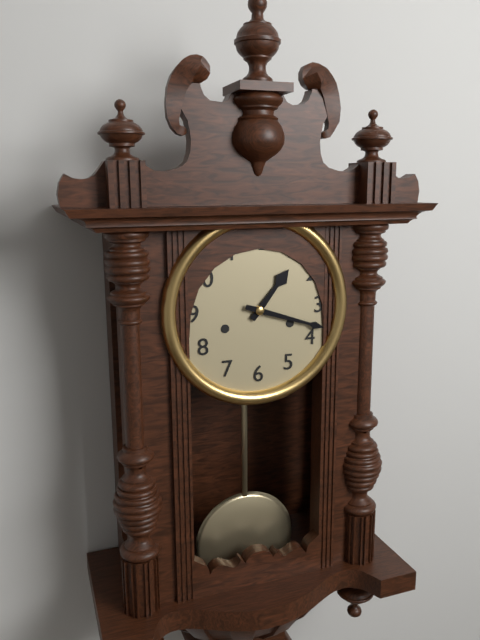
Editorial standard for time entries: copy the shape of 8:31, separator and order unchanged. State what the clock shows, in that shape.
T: 1:18
